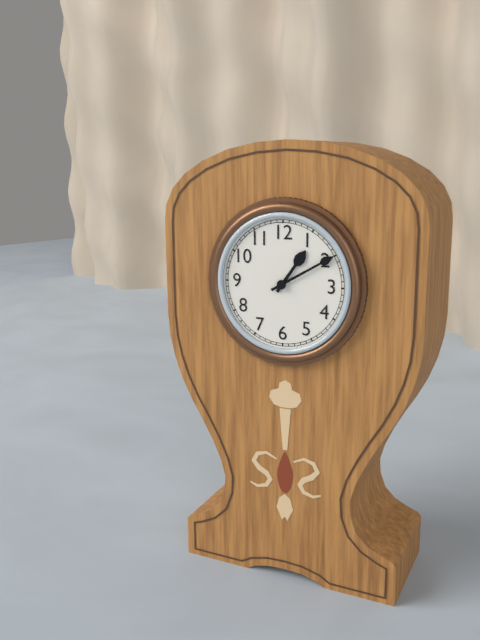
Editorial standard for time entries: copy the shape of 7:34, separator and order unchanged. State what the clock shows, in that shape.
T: 1:10
